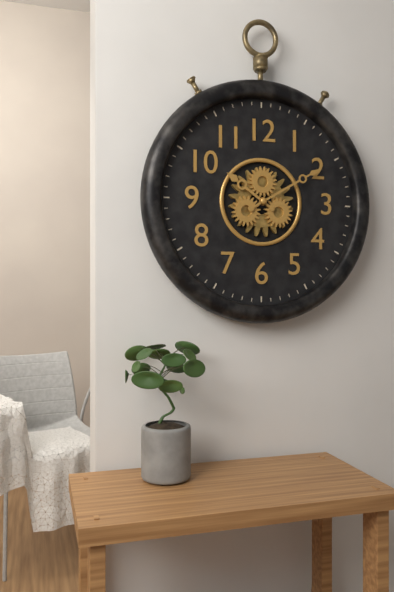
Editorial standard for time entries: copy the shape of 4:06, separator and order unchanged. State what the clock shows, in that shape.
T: 10:10
